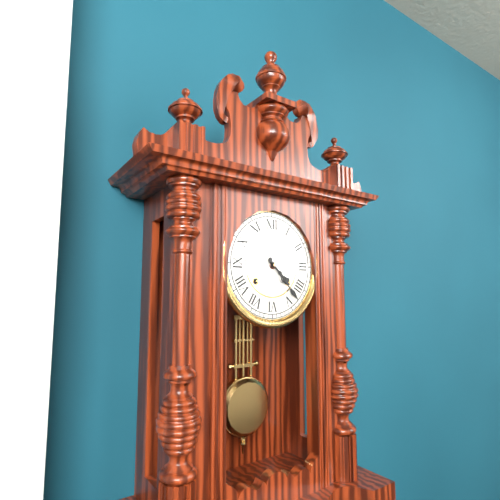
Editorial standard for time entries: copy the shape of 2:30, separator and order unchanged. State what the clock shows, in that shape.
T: 4:23
